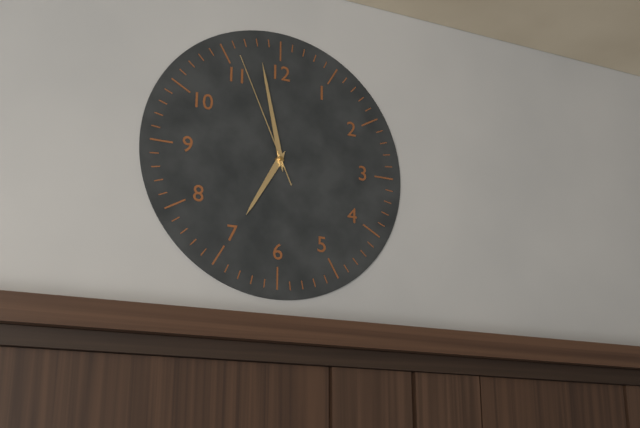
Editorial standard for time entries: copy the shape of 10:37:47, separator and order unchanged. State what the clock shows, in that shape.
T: 6:58:56
